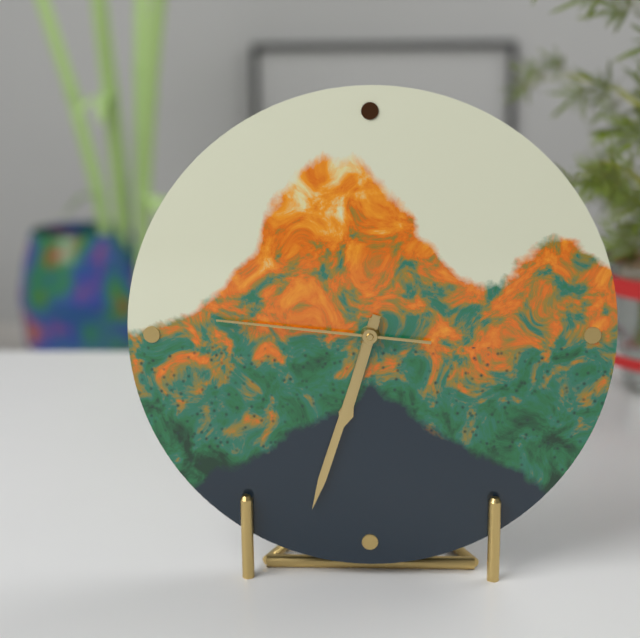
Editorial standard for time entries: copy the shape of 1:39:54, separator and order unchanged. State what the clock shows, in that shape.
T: 6:33:46
